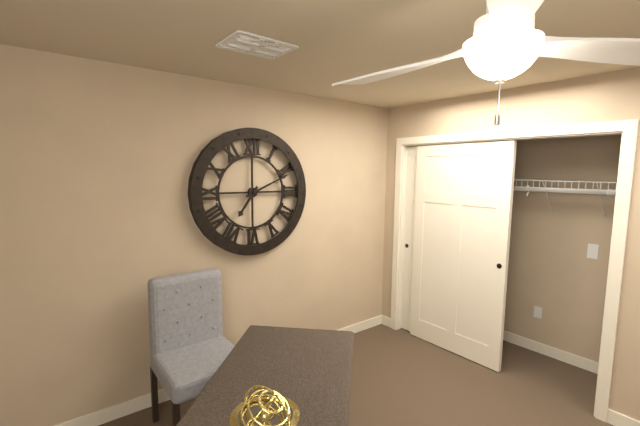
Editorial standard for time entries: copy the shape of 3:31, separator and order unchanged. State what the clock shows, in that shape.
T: 7:11
